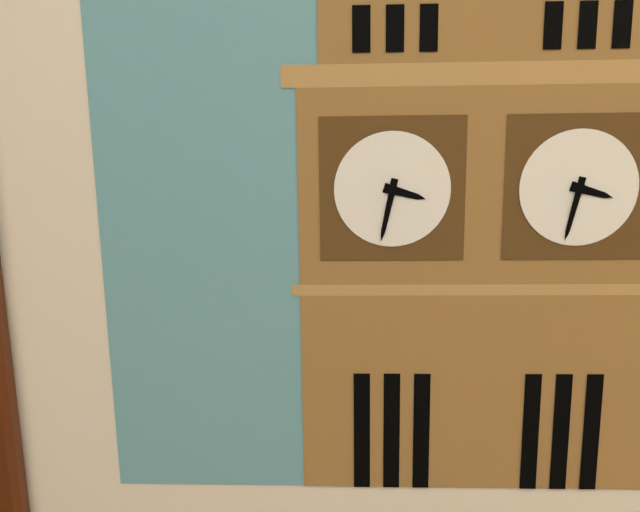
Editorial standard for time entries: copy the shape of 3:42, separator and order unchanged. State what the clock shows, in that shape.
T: 3:32
